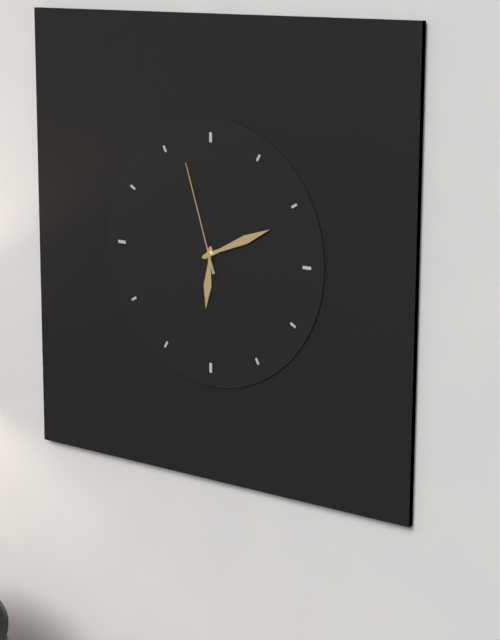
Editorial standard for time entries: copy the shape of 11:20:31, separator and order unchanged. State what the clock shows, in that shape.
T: 6:11:57
